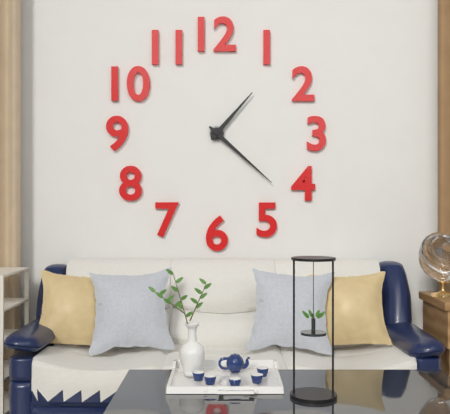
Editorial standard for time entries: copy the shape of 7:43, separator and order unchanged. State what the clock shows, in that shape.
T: 1:22
